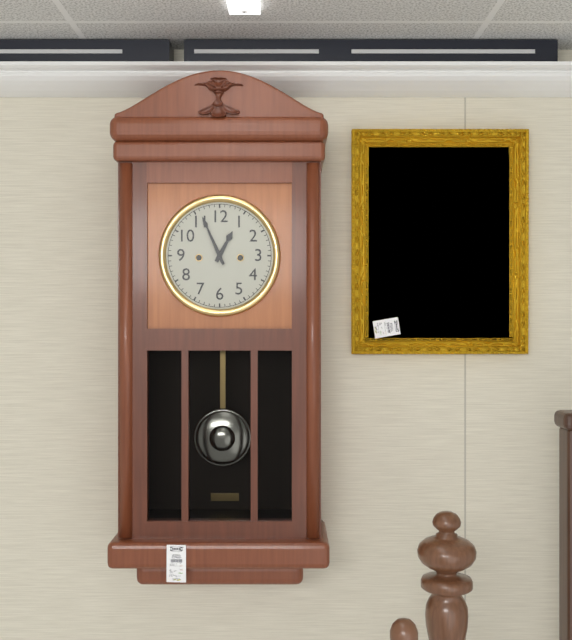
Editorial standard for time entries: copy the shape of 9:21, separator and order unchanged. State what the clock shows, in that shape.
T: 12:56
